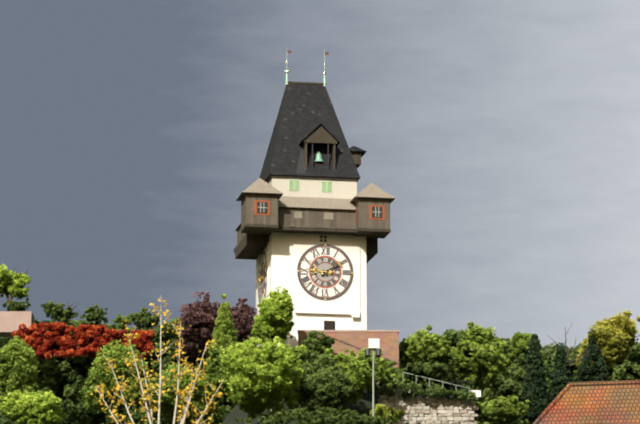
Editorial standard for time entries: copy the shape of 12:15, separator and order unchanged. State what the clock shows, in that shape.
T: 9:10
